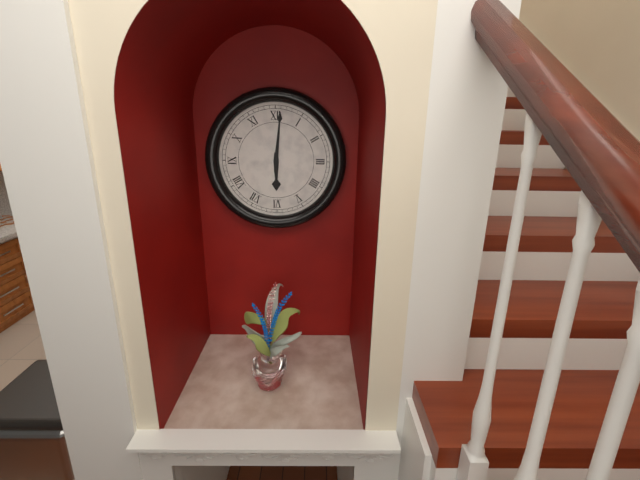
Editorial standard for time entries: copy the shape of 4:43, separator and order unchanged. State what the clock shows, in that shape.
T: 6:01
